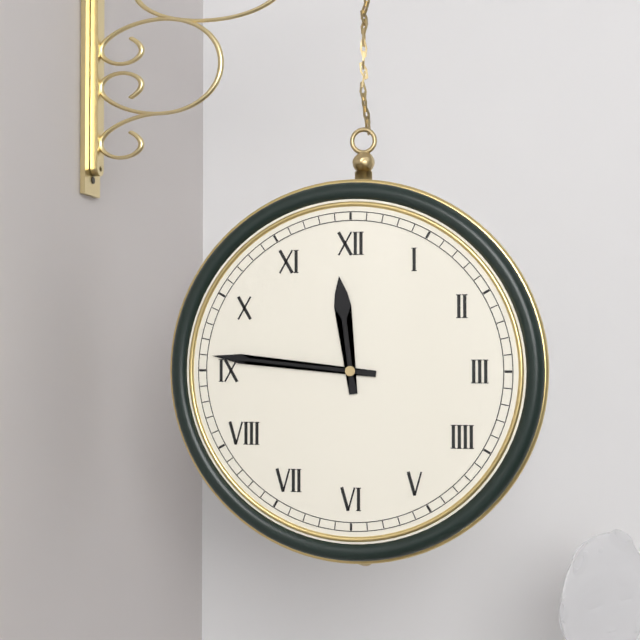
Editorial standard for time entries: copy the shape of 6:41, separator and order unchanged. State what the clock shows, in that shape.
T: 11:46
